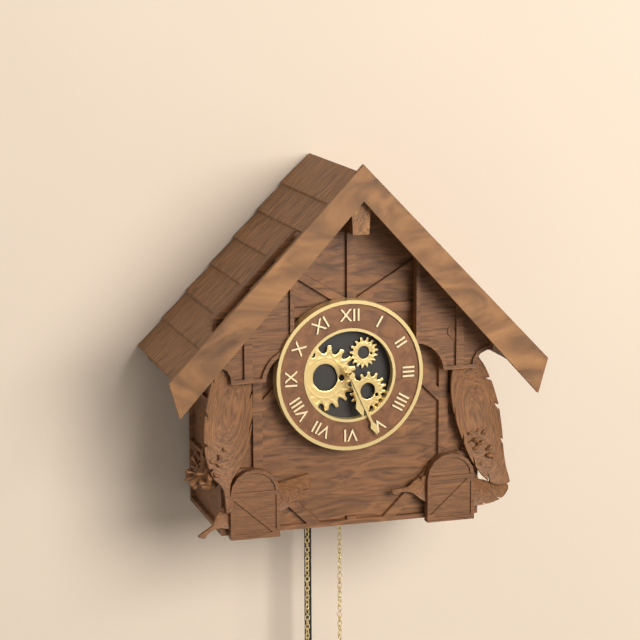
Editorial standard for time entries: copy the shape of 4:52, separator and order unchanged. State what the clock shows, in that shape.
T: 5:26
